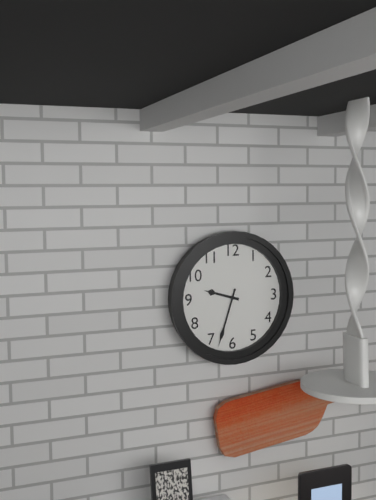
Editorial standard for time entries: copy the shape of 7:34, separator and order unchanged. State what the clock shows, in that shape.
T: 9:33
